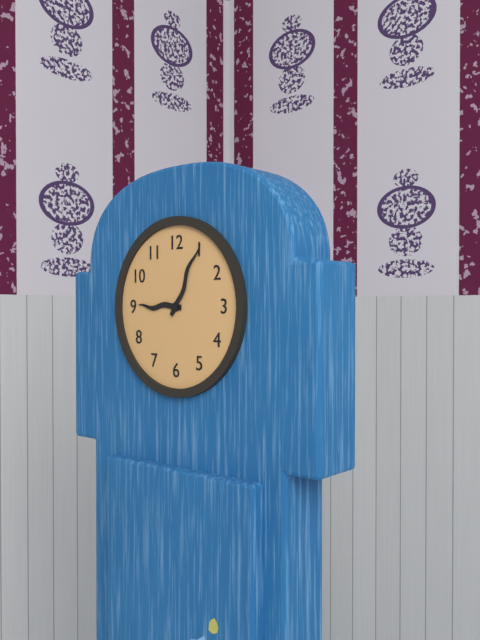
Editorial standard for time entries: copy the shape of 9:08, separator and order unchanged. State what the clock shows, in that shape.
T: 9:05
